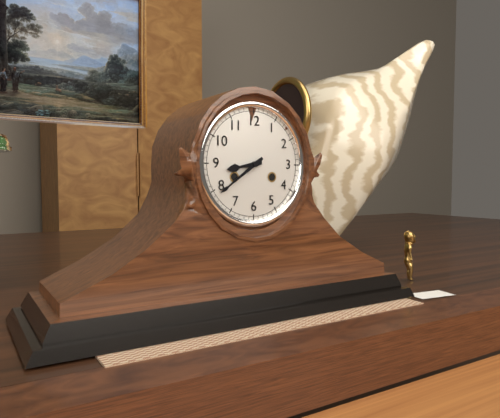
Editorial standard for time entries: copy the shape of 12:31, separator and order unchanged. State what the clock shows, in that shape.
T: 8:39
